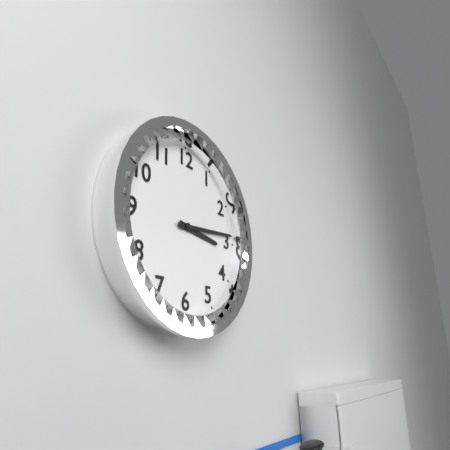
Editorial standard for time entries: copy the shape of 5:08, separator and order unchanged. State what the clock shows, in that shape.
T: 3:14
